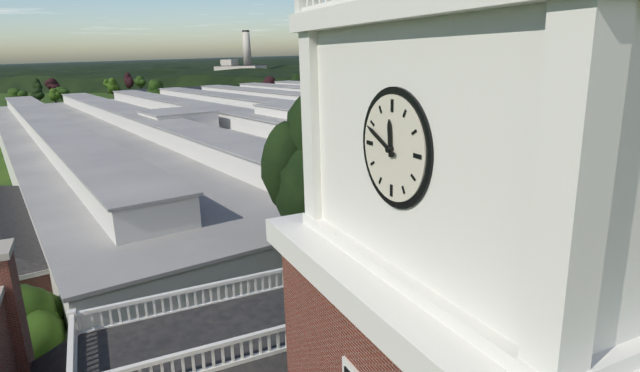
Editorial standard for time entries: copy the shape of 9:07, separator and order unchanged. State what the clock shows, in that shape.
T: 11:49
